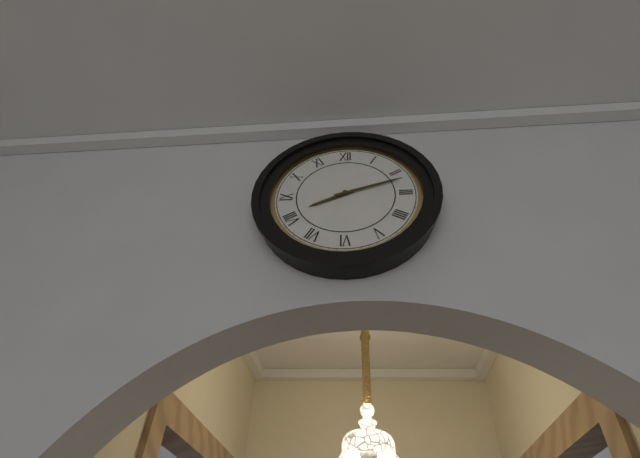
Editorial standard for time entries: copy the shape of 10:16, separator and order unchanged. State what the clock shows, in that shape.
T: 8:12
